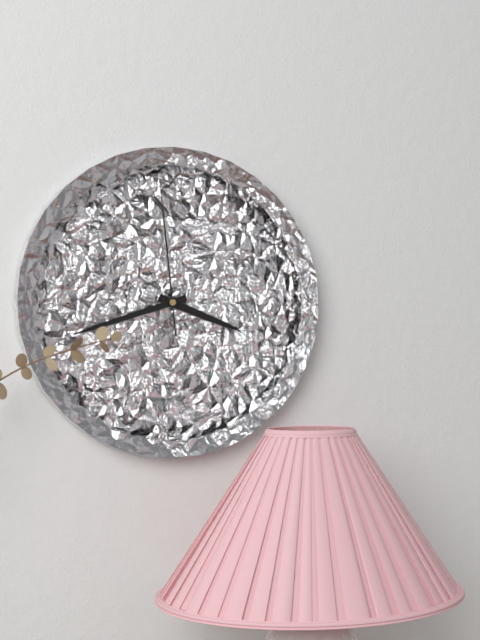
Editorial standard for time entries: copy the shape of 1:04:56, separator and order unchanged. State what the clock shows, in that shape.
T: 3:42:59
